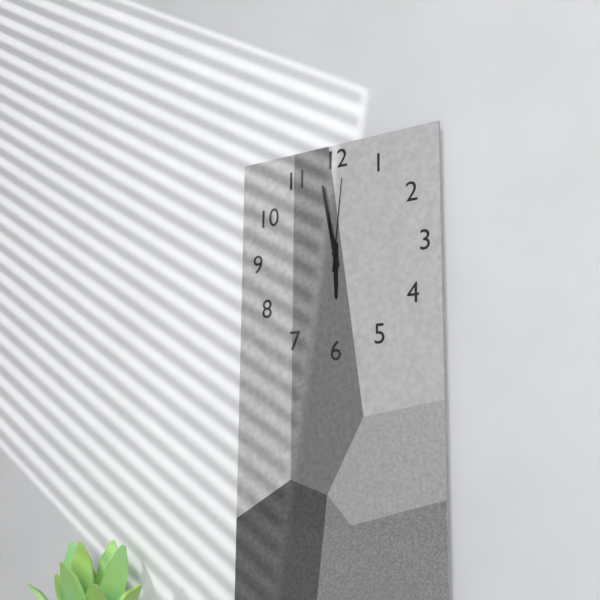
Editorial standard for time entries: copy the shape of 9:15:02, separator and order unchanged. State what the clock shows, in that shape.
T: 5:58:01
